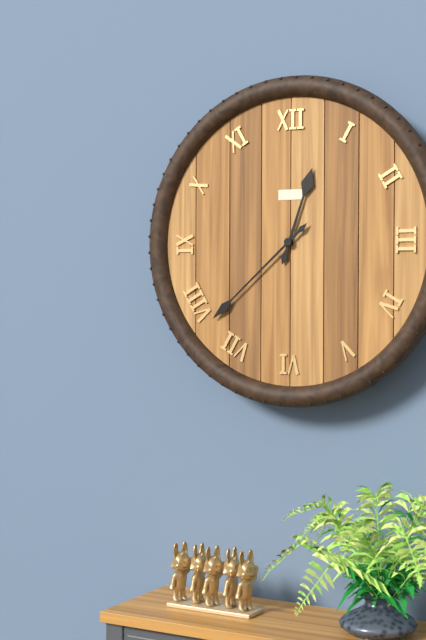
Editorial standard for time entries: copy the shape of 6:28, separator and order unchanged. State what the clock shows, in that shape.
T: 12:38
